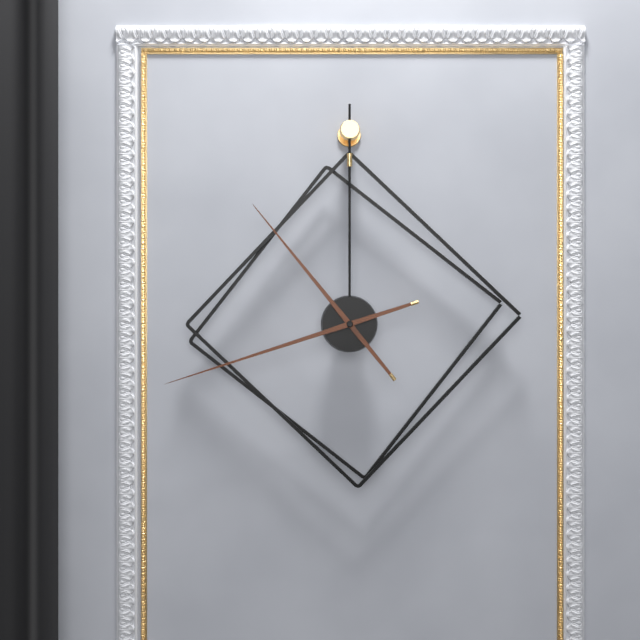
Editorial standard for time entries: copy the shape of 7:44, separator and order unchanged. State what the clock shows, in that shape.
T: 10:42
